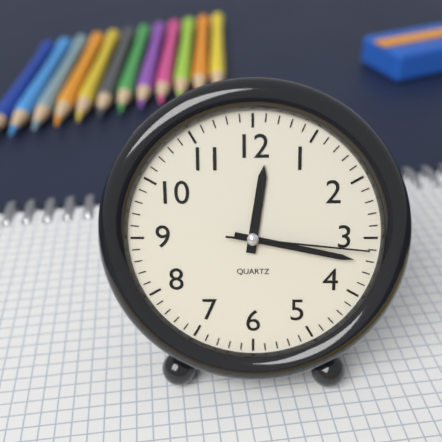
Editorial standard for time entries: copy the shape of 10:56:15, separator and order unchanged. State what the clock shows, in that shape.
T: 12:17:16
